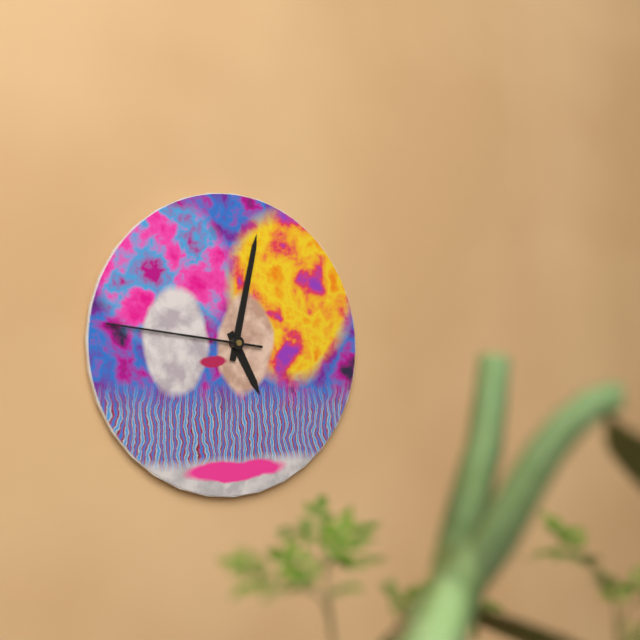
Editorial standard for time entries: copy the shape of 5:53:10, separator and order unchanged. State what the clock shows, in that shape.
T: 5:02:46
